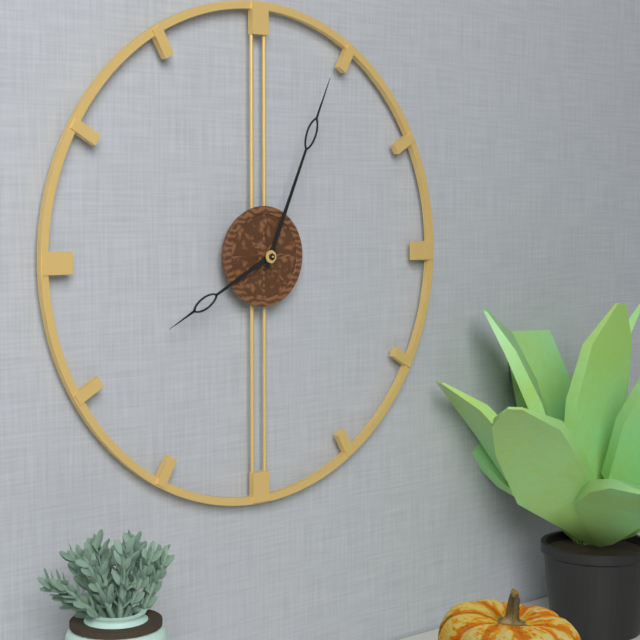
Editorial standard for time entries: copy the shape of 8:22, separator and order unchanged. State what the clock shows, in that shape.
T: 8:04
